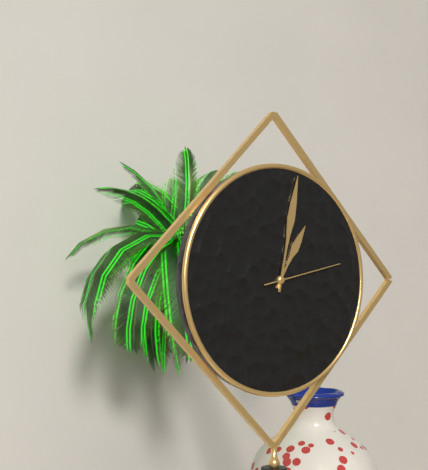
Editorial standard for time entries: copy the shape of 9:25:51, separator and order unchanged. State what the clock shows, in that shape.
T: 1:02:13
